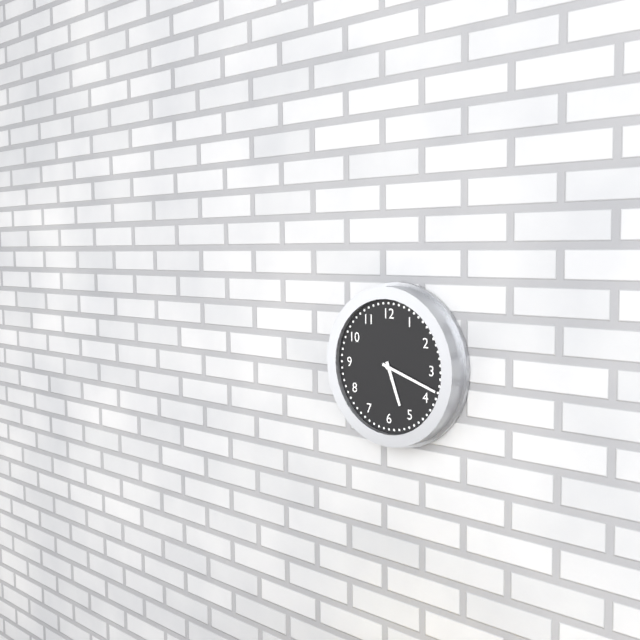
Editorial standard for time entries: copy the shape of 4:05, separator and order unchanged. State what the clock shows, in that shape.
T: 5:18
